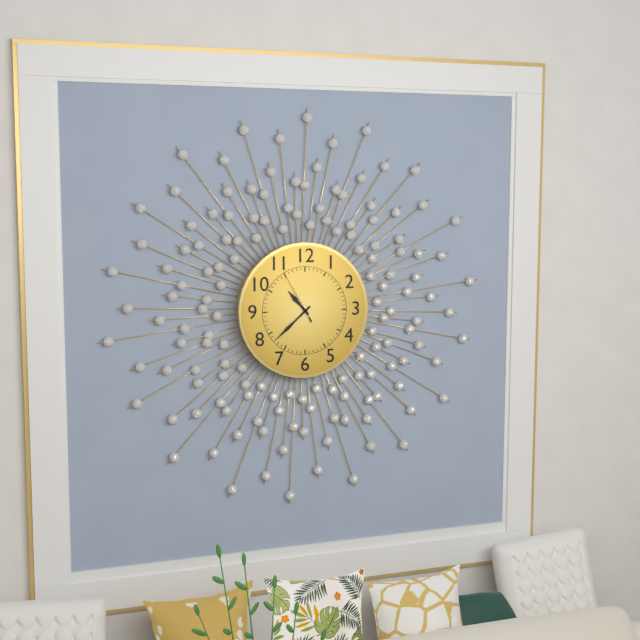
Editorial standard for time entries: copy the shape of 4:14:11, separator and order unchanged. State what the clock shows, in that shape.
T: 10:38:55
